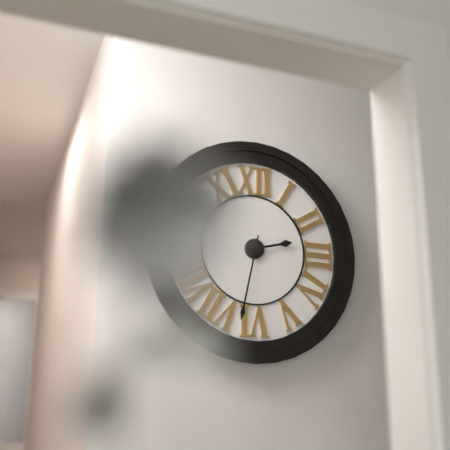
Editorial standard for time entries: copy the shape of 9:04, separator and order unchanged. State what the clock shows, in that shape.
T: 2:32
